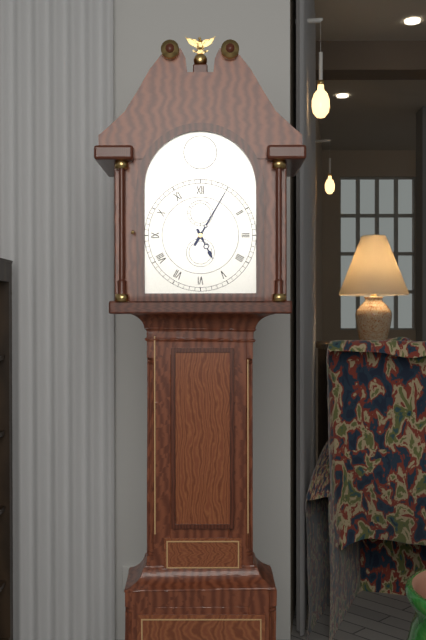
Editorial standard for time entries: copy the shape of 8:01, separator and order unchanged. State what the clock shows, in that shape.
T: 5:05
